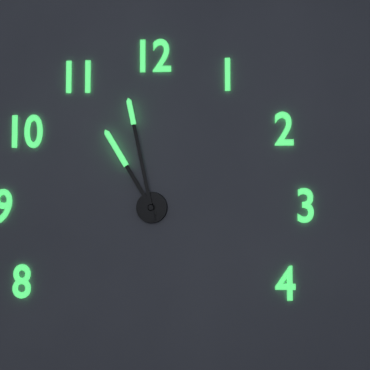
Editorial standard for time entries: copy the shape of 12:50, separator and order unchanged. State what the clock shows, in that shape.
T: 10:58
